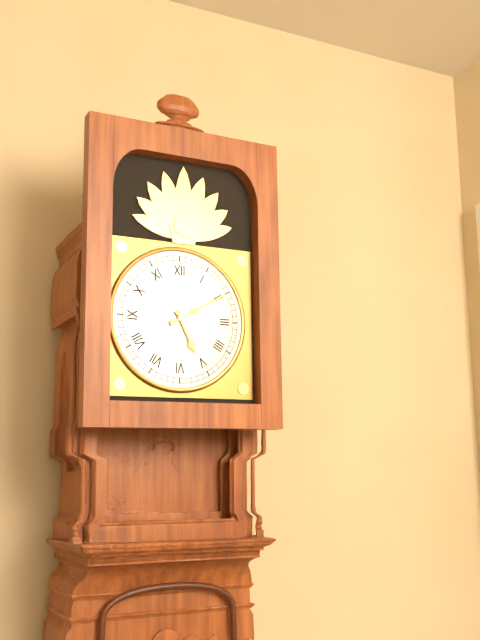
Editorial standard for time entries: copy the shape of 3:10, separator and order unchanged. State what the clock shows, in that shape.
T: 5:10
